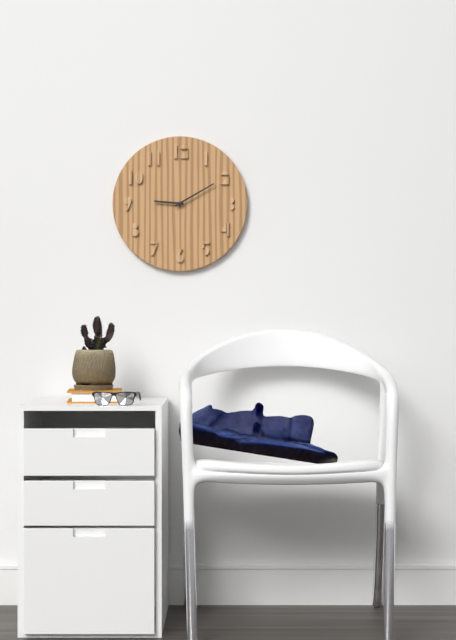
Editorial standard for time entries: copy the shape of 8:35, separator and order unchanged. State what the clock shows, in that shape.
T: 9:10
